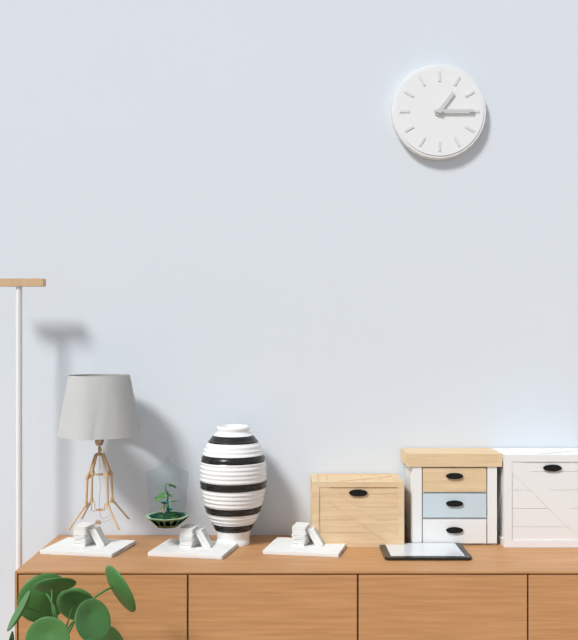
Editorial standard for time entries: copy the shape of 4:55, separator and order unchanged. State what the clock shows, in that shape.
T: 1:15
